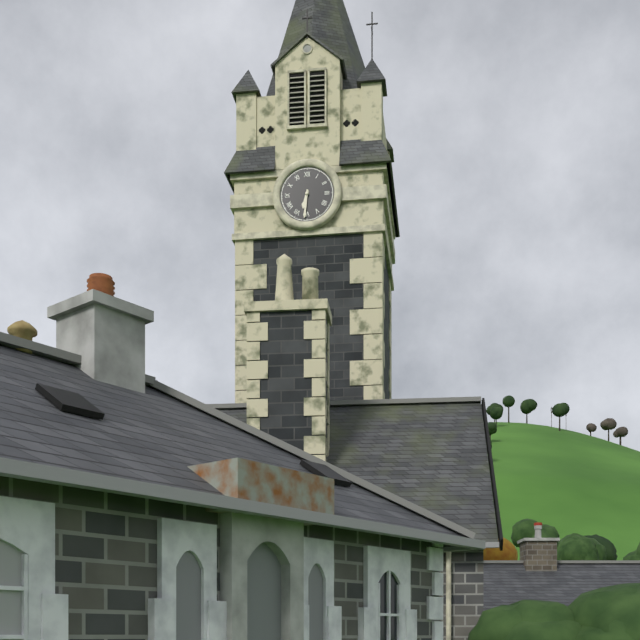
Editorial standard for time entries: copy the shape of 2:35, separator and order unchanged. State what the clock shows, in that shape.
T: 6:31
